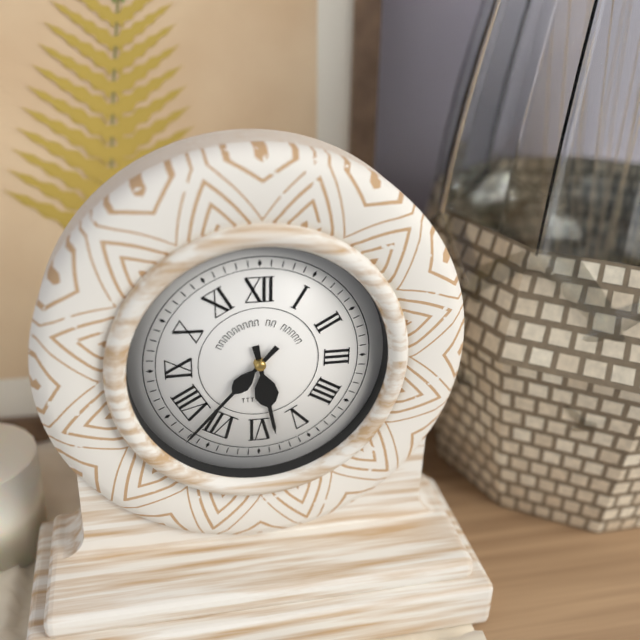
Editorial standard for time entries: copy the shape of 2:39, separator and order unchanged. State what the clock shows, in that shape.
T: 5:37
